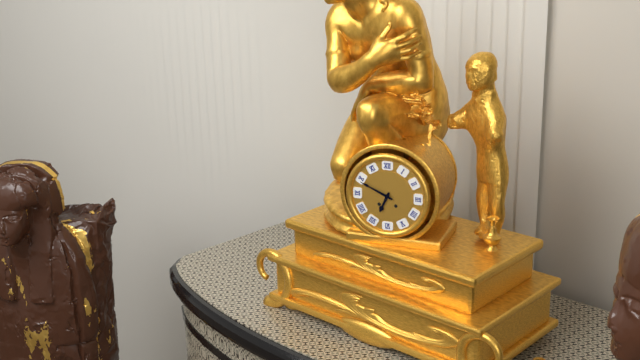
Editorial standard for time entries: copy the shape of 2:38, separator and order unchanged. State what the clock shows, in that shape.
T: 6:49
